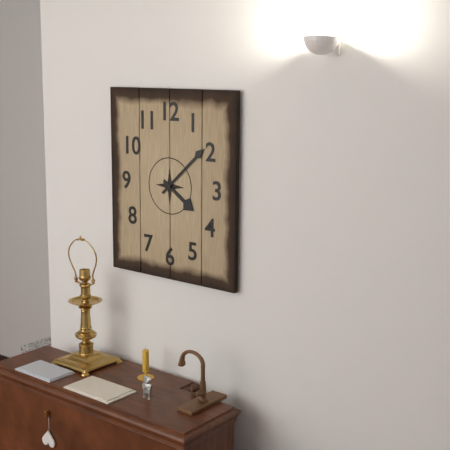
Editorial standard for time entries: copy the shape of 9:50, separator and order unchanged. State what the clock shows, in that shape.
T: 4:08
